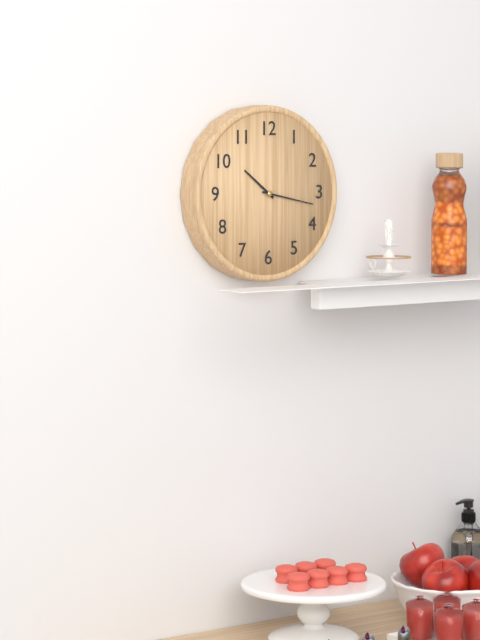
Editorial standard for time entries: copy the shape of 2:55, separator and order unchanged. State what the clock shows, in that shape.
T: 10:17
